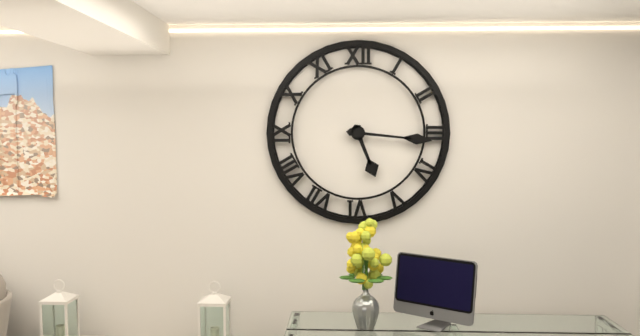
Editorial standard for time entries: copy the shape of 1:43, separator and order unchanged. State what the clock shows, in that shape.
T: 5:16
